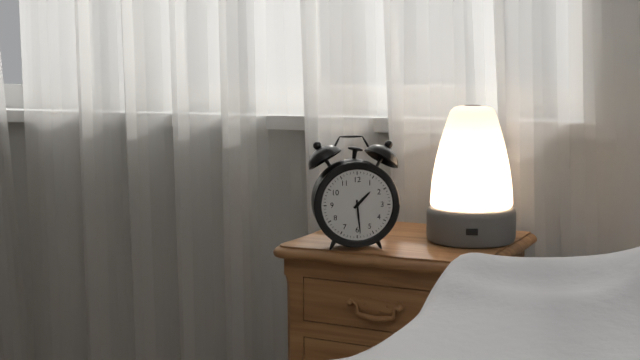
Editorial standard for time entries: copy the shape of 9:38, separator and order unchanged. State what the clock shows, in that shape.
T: 1:29
